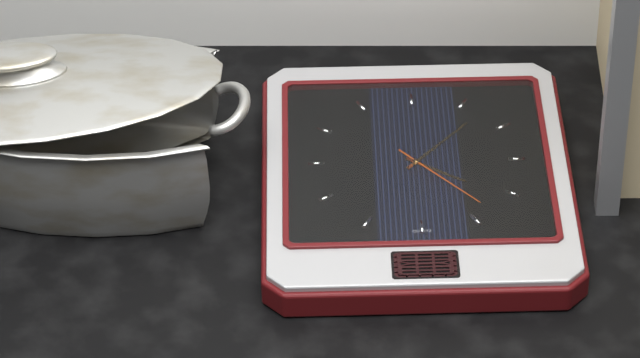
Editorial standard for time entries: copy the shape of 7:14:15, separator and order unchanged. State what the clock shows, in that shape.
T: 4:07:23
